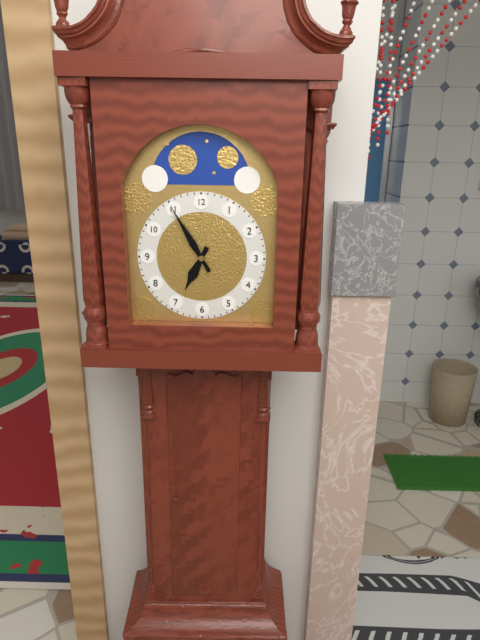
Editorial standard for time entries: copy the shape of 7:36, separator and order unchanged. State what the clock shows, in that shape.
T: 6:55
